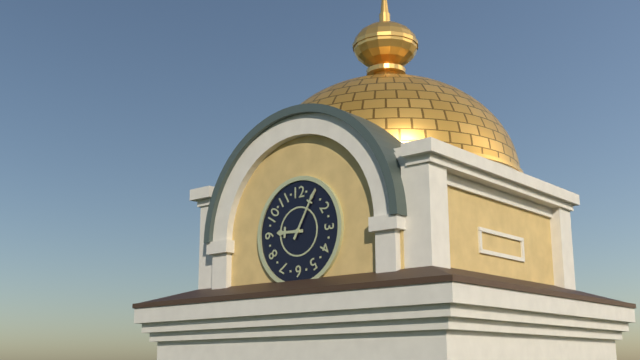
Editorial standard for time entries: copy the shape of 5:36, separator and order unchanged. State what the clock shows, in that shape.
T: 9:05
